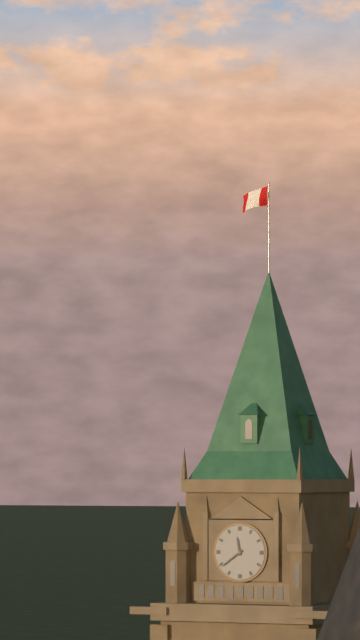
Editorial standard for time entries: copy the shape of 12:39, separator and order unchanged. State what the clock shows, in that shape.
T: 11:39
